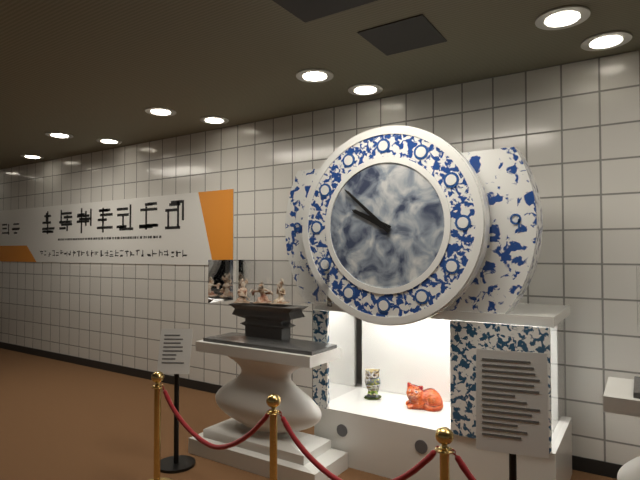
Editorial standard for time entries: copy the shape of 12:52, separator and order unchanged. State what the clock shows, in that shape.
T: 9:52
